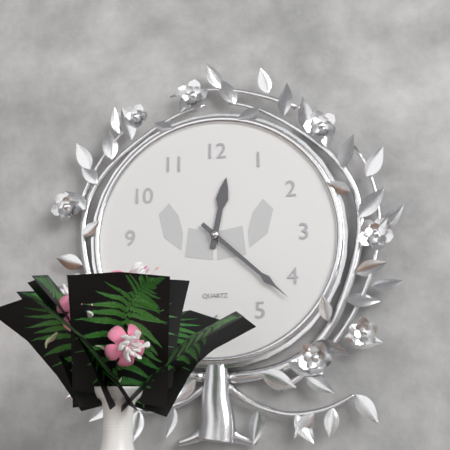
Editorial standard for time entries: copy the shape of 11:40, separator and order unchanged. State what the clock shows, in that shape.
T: 12:22
